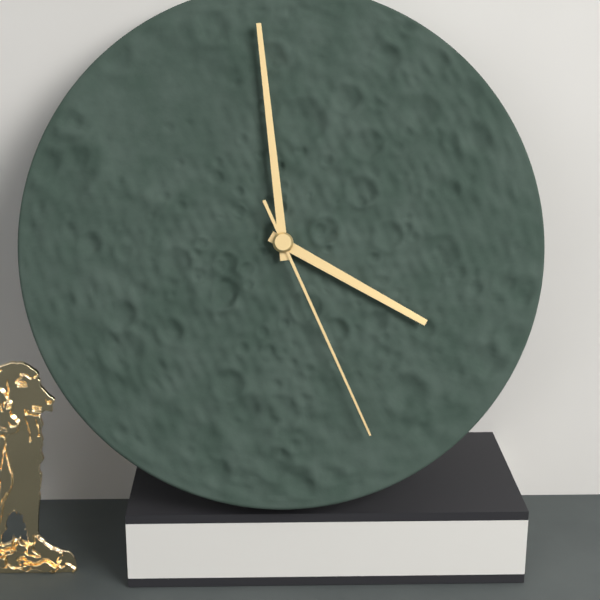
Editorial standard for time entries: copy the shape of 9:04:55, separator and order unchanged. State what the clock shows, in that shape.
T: 3:59:26
